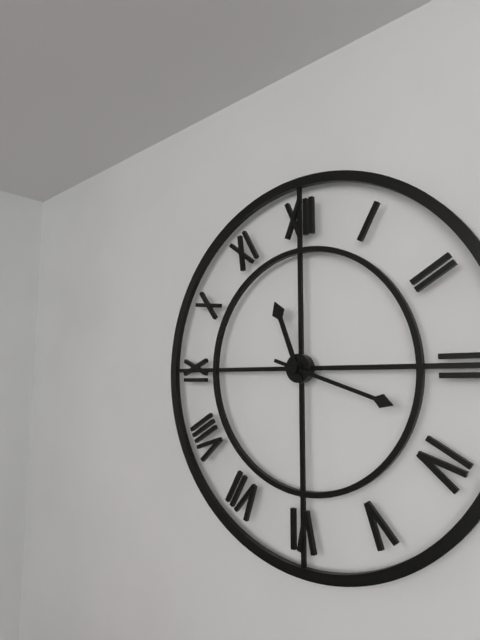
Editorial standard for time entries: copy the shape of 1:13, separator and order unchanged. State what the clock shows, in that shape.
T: 11:18
